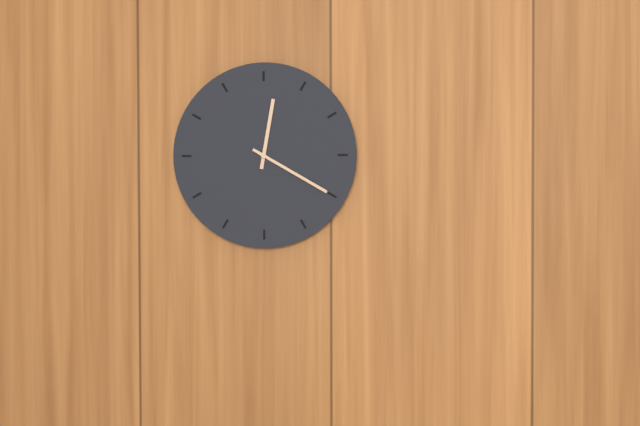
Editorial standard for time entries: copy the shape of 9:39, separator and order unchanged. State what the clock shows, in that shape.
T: 12:20
